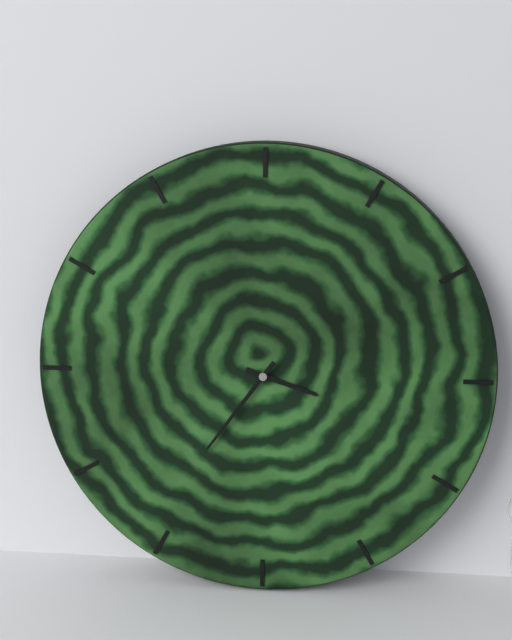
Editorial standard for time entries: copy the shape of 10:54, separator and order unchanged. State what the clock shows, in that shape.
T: 3:36
